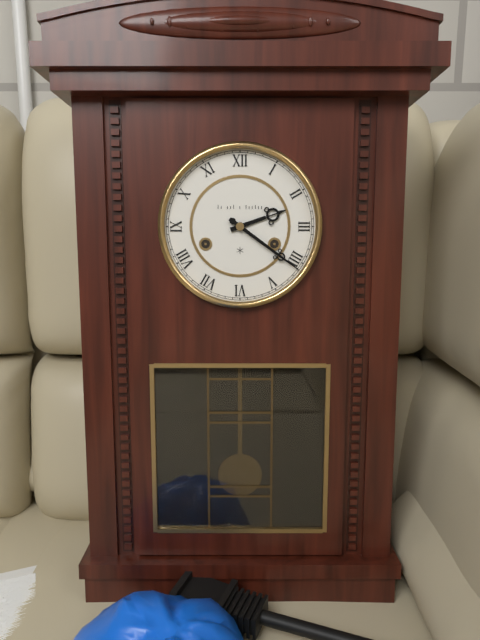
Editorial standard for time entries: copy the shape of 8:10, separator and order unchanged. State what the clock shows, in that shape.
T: 2:21
